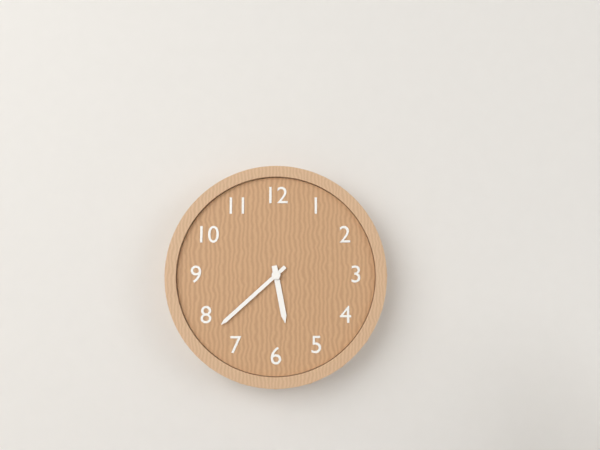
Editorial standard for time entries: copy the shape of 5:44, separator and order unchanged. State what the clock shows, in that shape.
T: 5:38
